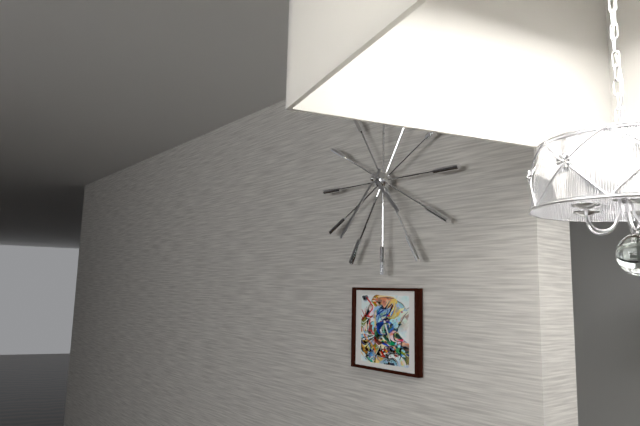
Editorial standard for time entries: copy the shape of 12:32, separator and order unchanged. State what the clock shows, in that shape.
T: 4:37
